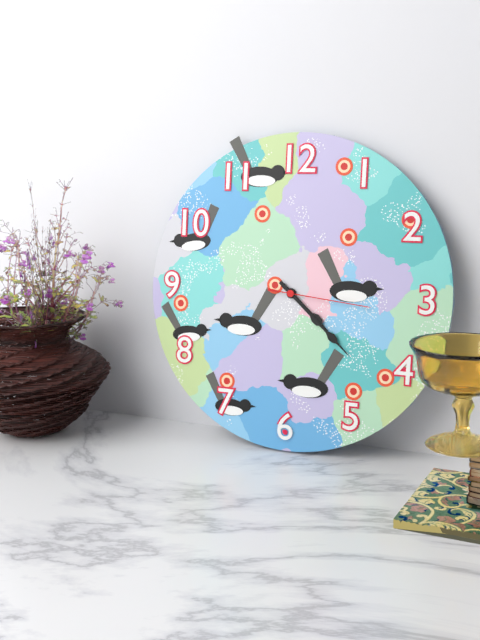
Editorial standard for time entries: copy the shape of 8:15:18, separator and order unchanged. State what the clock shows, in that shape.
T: 4:22:16
